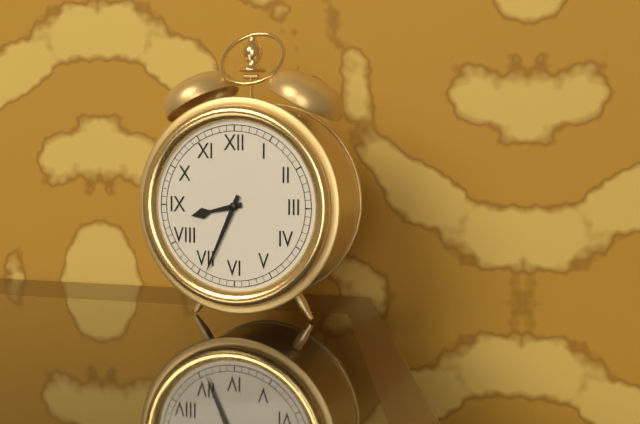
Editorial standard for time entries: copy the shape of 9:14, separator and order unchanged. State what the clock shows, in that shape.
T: 8:34
